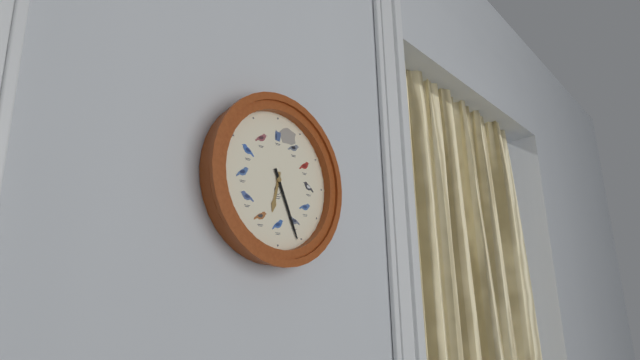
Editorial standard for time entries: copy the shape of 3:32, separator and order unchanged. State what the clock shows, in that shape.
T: 6:26
